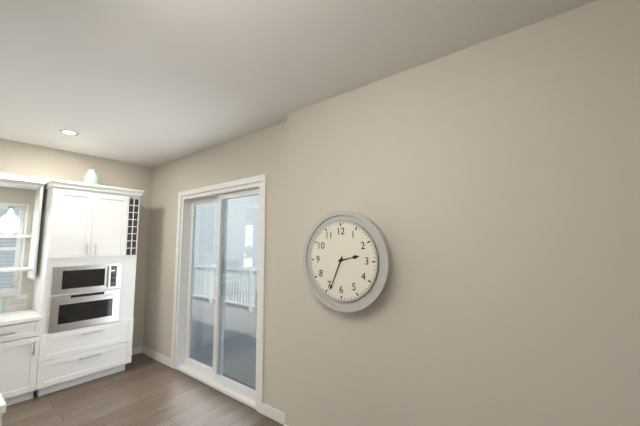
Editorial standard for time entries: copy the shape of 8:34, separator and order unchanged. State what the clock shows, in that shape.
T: 2:34
